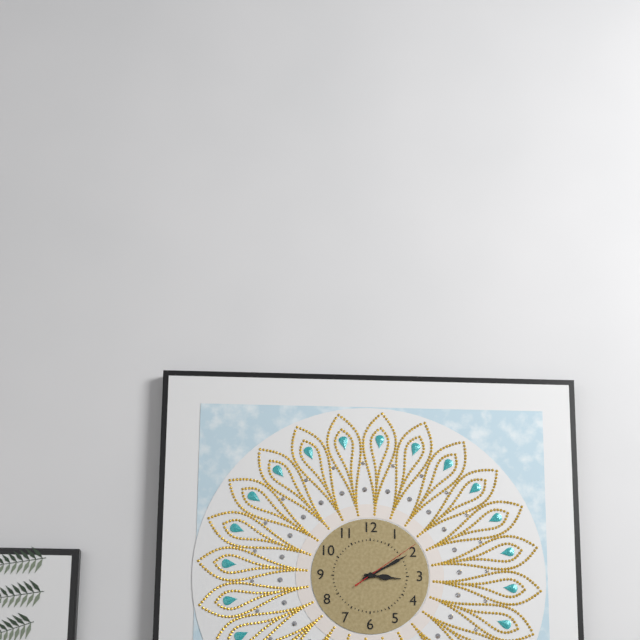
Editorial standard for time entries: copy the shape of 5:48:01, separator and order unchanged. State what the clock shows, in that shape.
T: 3:10:09
